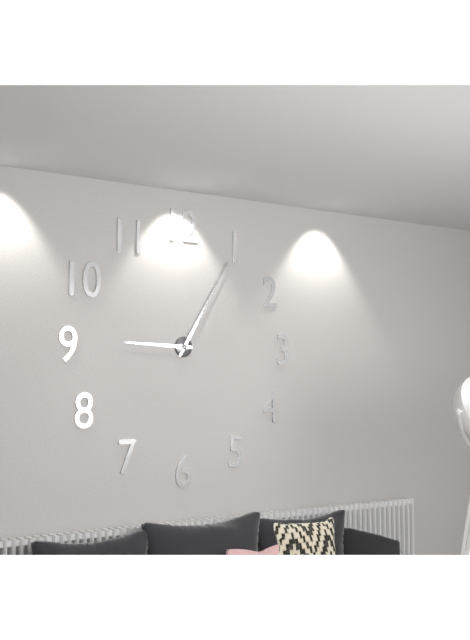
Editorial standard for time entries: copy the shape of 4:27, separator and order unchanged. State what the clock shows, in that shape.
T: 9:05
